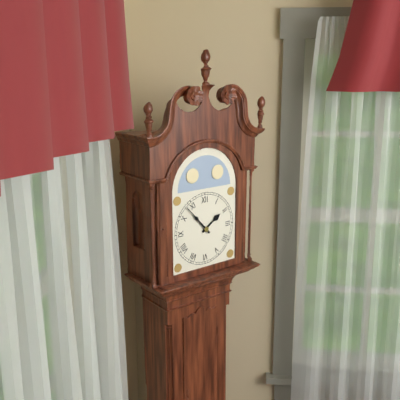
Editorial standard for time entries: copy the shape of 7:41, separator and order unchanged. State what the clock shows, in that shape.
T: 1:53
